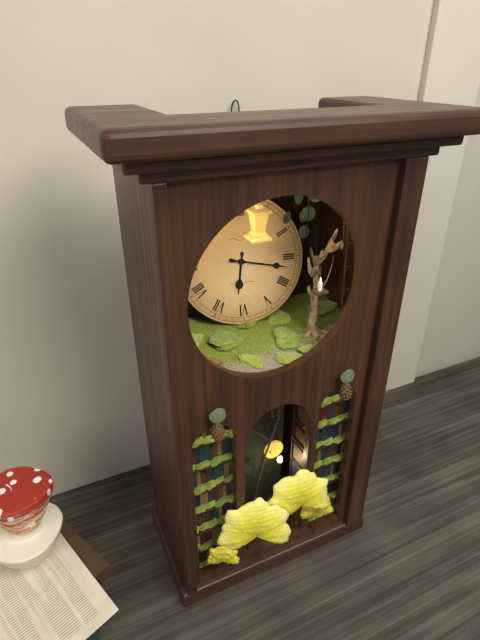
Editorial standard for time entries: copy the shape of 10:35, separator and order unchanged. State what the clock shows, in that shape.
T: 6:17
